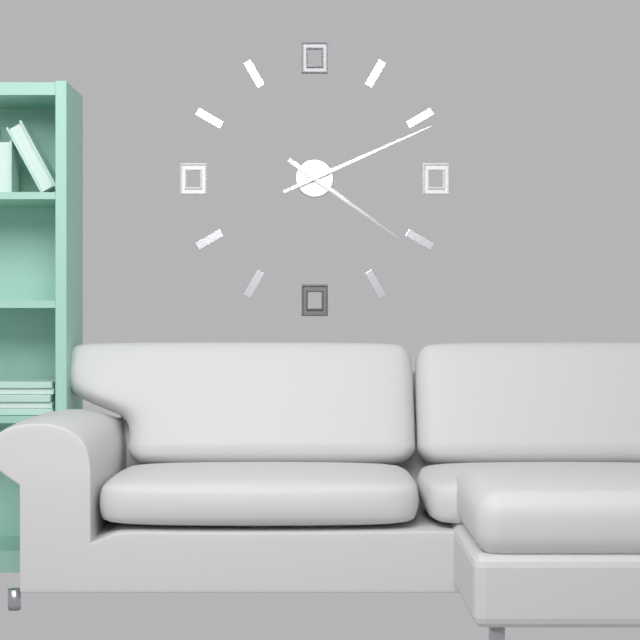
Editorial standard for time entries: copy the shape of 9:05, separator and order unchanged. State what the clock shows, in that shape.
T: 4:11
